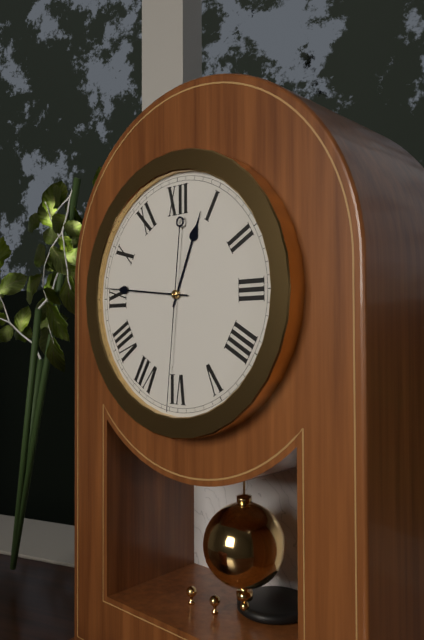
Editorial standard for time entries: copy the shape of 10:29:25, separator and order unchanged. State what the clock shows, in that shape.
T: 12:46:31
